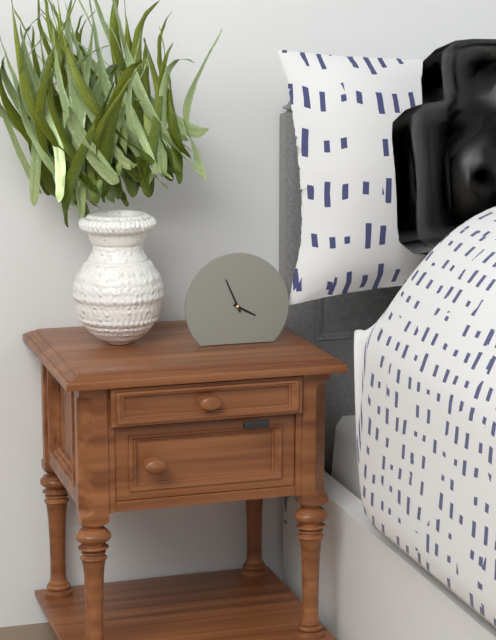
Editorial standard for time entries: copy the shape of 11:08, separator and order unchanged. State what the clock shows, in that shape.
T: 3:56
